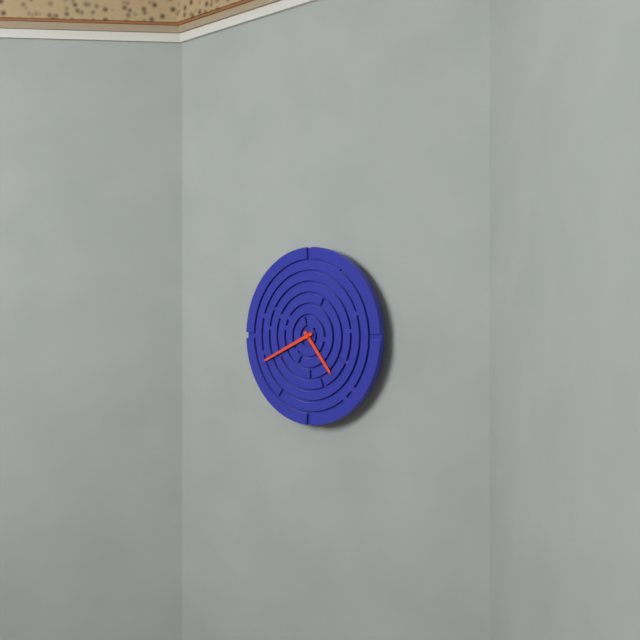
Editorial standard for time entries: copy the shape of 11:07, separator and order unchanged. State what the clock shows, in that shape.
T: 4:41
